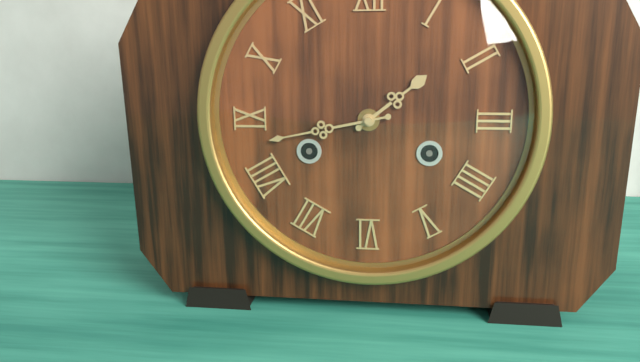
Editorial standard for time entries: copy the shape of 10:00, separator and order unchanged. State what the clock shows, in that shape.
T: 1:43
